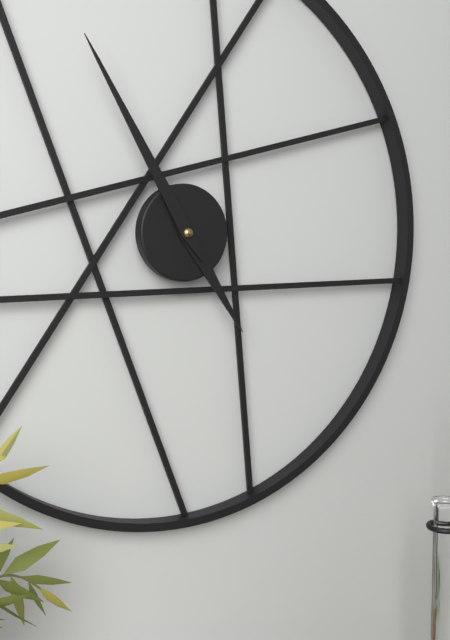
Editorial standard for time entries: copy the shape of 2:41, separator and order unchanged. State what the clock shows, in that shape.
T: 4:55
